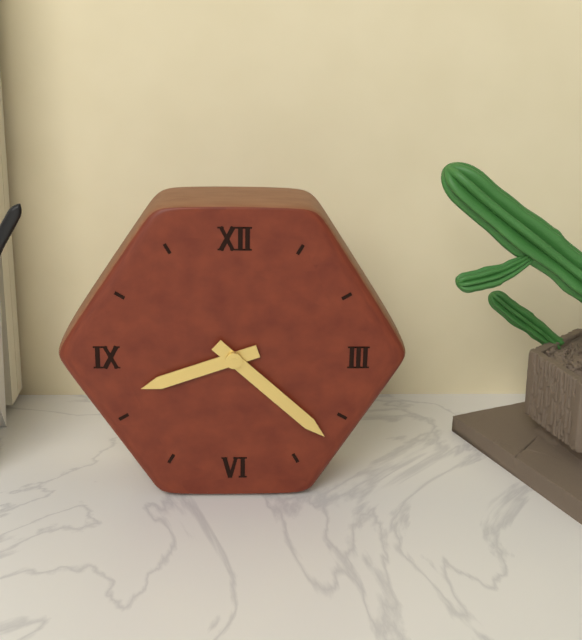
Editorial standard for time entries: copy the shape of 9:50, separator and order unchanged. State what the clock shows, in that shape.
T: 8:22
